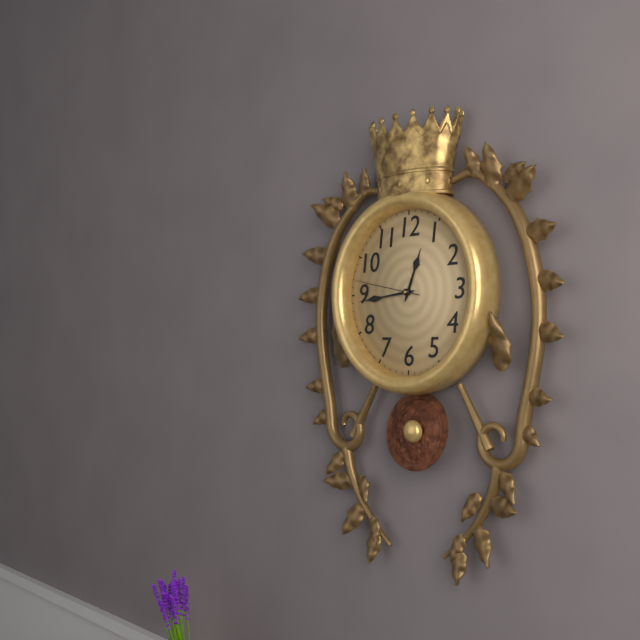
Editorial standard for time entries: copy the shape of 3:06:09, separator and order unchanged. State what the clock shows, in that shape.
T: 12:44:47
